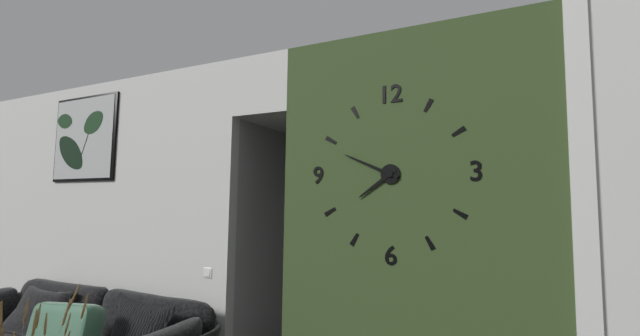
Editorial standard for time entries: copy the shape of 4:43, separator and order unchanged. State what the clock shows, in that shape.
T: 7:49
